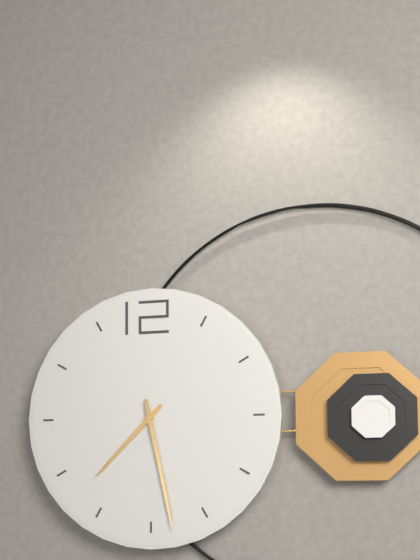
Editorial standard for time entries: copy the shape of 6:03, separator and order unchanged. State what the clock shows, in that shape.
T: 7:28
